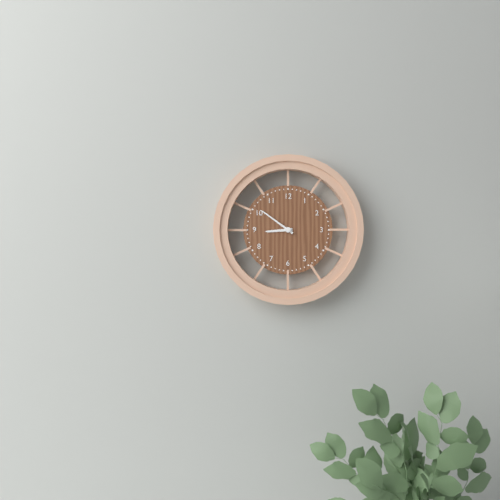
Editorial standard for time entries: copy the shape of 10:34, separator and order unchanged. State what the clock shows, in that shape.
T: 8:51
